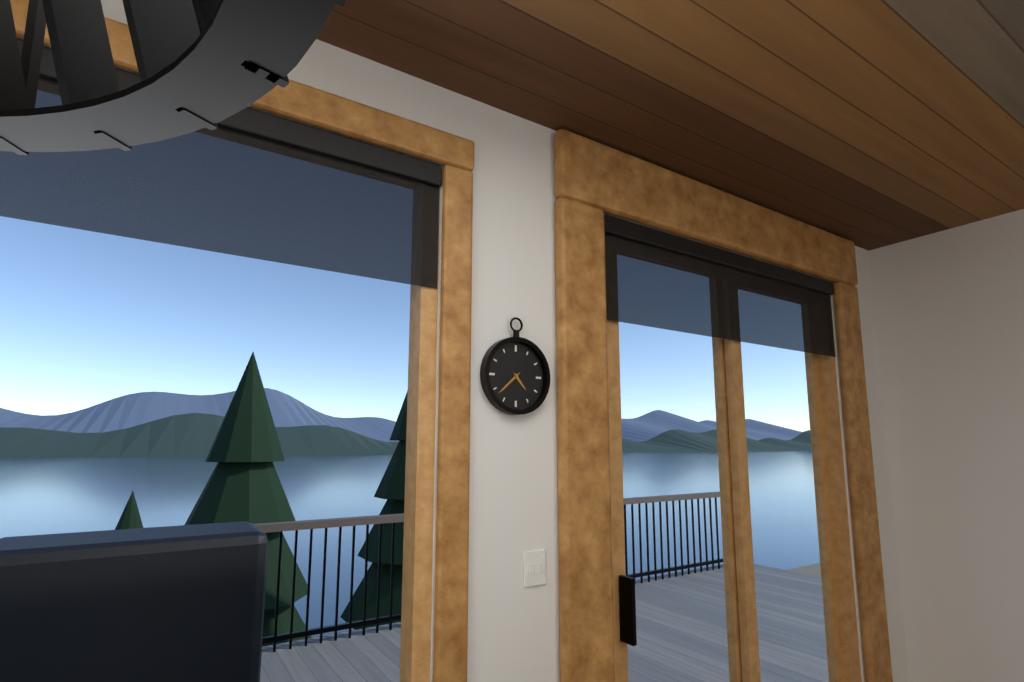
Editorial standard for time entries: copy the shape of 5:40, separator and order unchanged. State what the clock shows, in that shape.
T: 4:38
